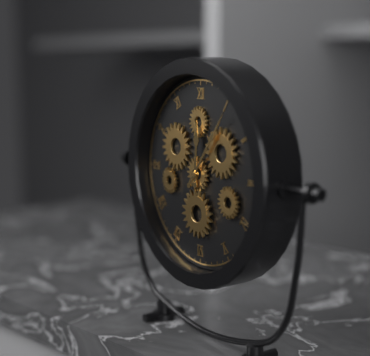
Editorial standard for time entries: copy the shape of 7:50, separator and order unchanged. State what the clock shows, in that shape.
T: 12:06
